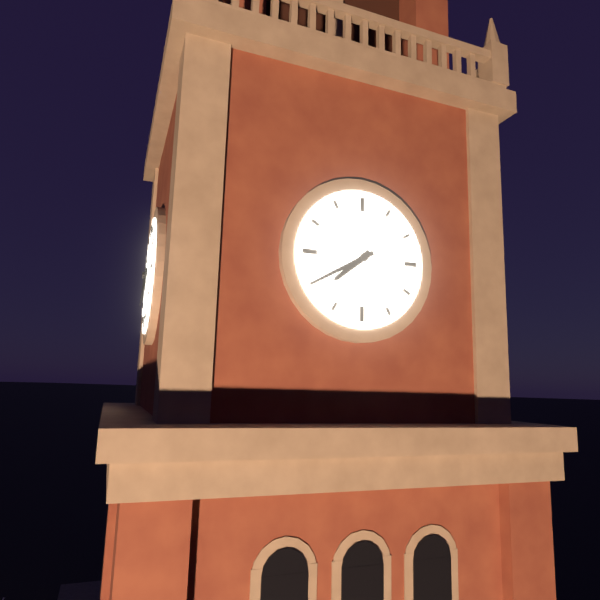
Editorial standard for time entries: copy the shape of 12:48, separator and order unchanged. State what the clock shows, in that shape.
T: 7:40
